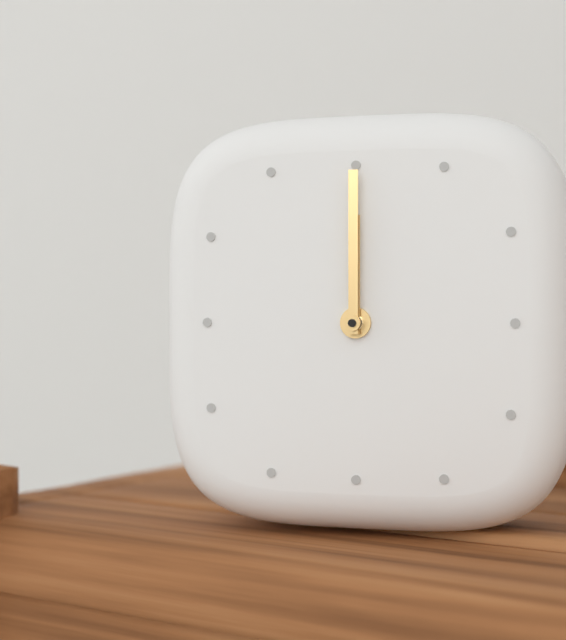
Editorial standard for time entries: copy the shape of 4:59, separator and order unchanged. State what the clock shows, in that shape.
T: 12:00
